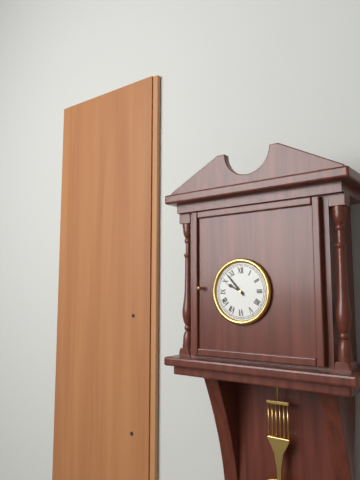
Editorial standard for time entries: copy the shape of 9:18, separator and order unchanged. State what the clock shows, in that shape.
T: 9:53
